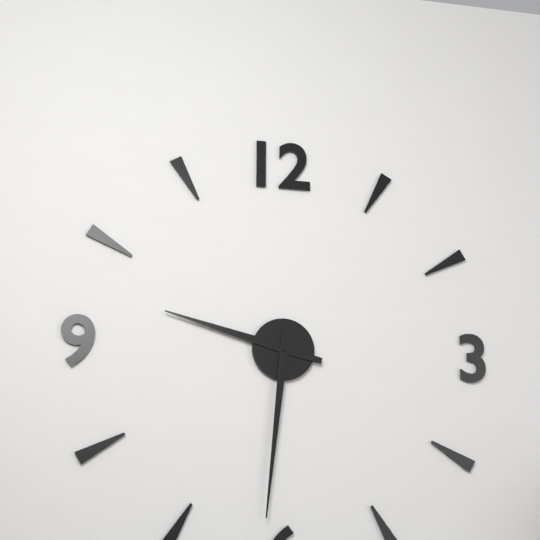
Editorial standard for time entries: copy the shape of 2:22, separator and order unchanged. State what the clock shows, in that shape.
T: 9:31
